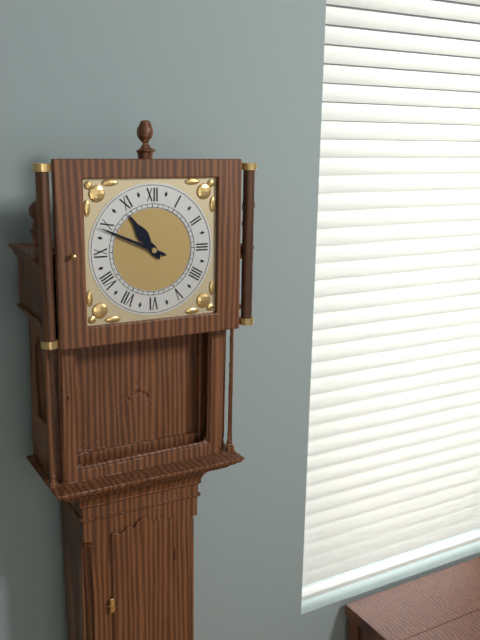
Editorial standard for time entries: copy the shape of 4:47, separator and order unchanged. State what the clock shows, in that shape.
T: 10:49
